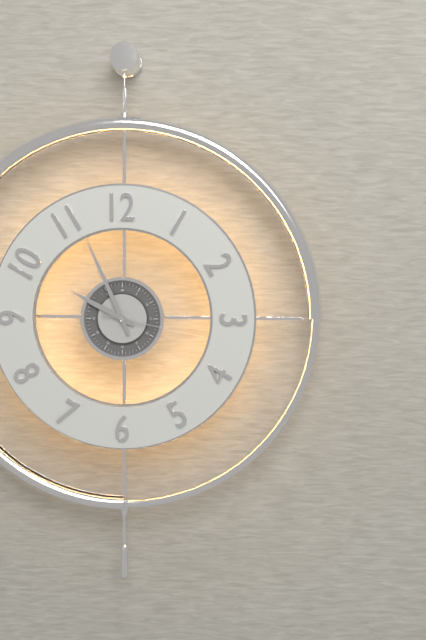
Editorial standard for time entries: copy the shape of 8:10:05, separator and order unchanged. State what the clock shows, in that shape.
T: 9:56:17
